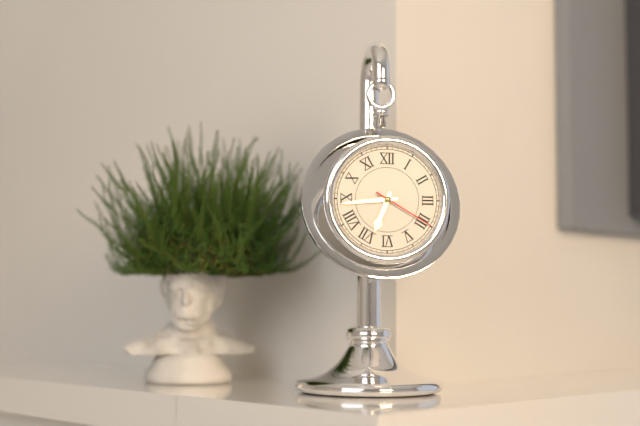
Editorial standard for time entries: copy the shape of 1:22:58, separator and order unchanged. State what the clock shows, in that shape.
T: 6:44:20
